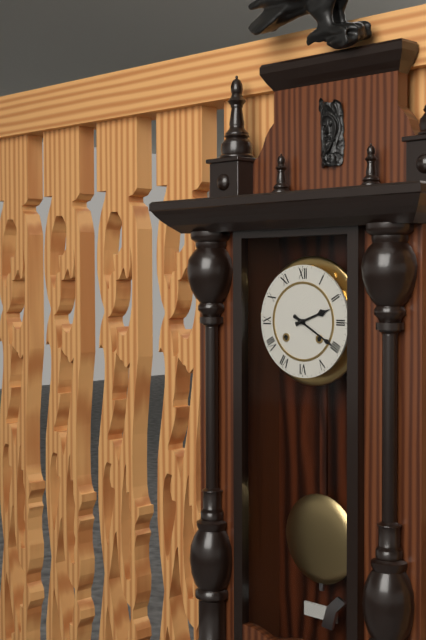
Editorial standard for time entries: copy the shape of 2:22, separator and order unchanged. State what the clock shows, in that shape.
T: 2:20
